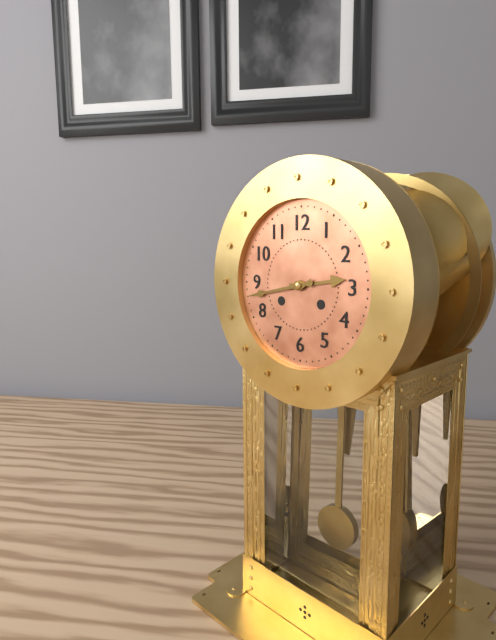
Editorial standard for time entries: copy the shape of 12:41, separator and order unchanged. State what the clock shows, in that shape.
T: 2:43
